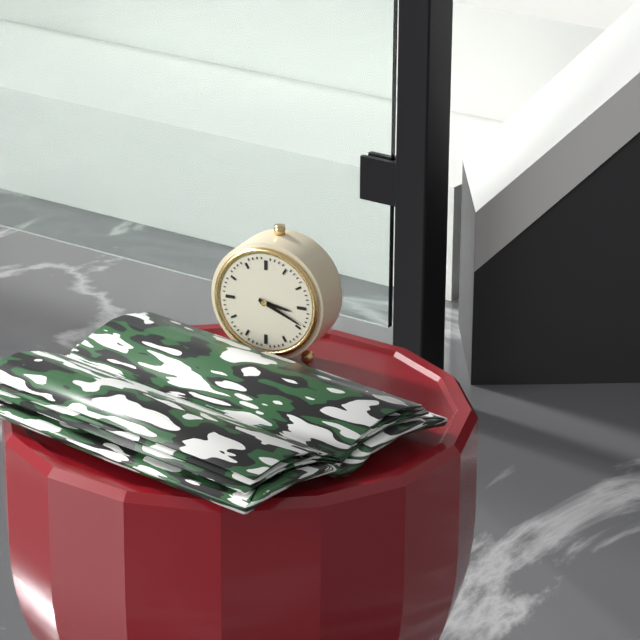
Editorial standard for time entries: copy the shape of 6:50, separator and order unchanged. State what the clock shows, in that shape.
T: 3:19
